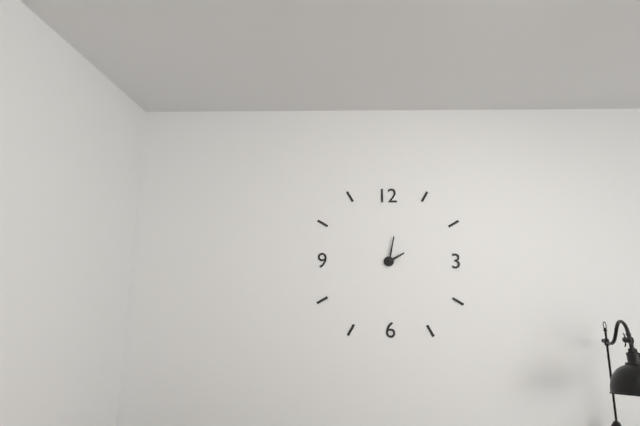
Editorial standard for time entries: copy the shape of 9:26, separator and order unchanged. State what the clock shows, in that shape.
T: 2:02
